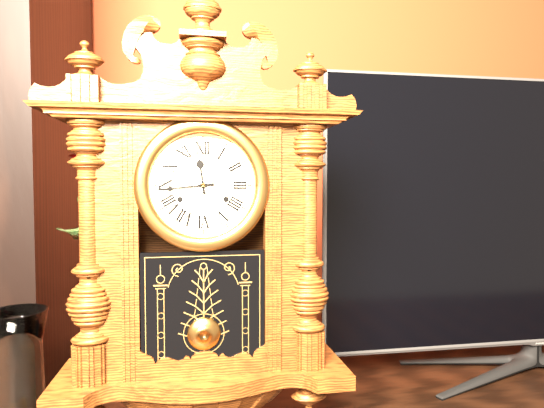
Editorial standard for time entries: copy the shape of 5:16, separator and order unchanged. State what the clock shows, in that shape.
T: 11:44
